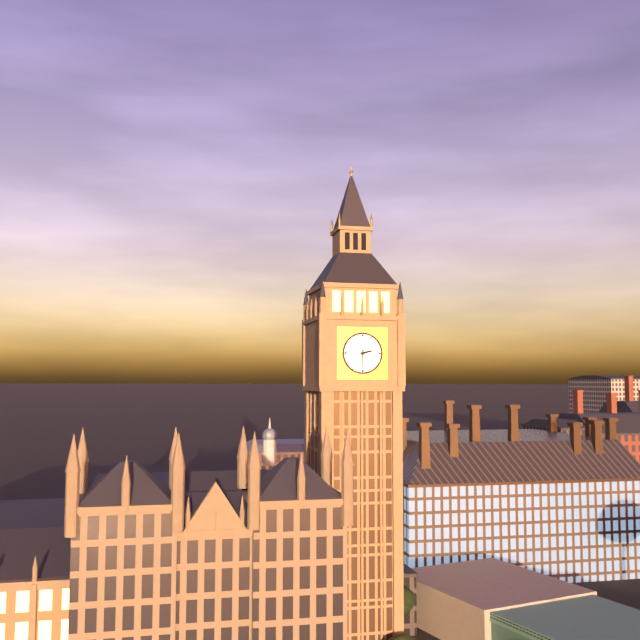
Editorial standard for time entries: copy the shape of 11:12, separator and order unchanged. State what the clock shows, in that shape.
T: 2:30
